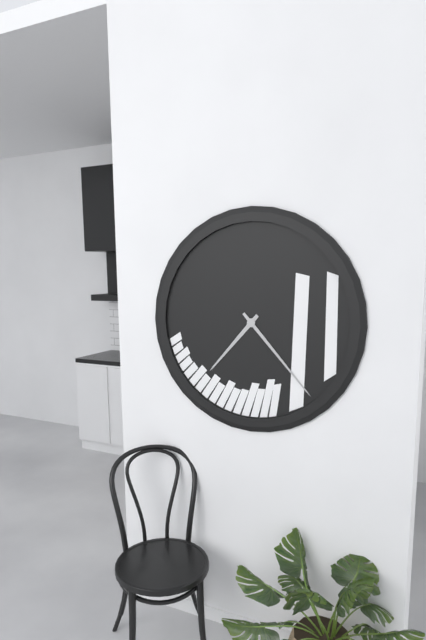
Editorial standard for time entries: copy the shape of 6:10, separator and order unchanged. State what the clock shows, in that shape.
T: 7:23
